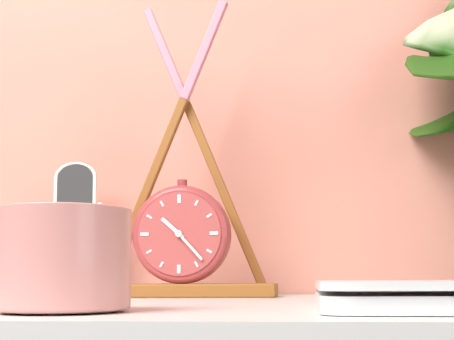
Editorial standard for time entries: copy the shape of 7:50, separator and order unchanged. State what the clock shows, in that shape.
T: 10:23
